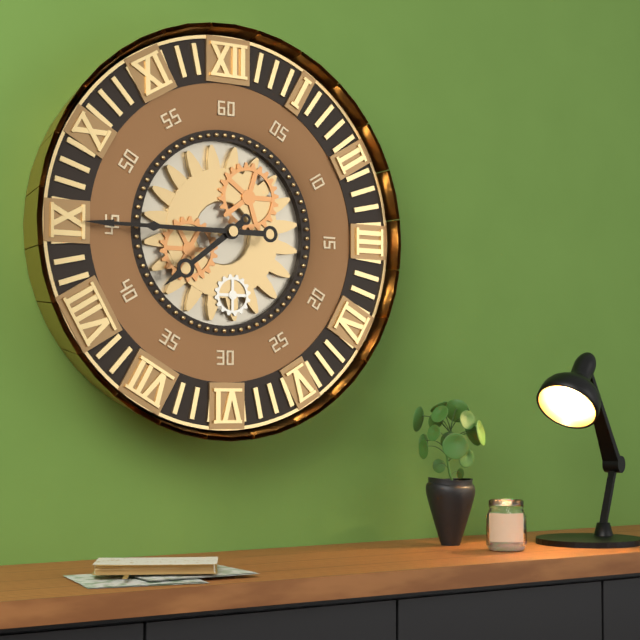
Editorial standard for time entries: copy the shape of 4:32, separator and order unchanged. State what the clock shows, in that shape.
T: 7:45
